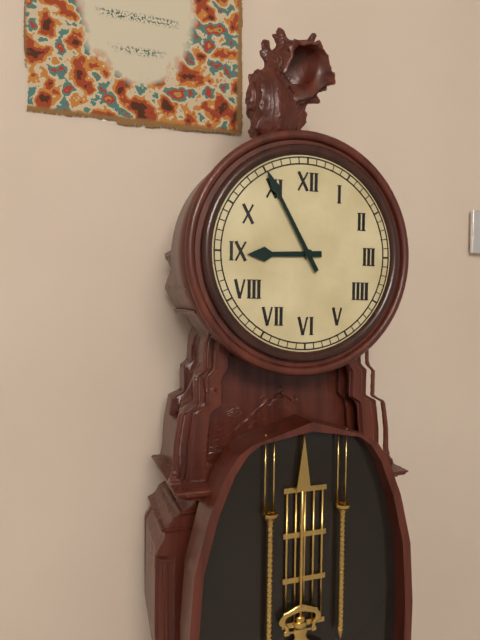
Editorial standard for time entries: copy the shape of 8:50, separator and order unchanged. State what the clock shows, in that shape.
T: 8:55
